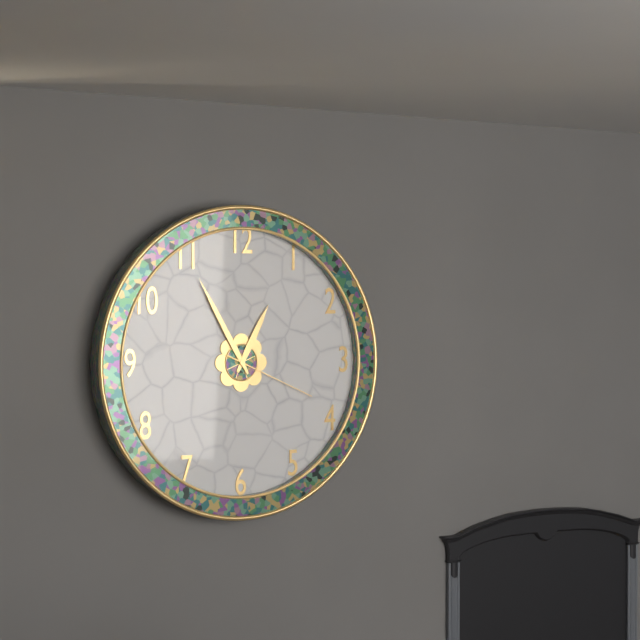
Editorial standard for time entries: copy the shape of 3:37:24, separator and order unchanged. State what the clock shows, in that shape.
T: 12:55:19
